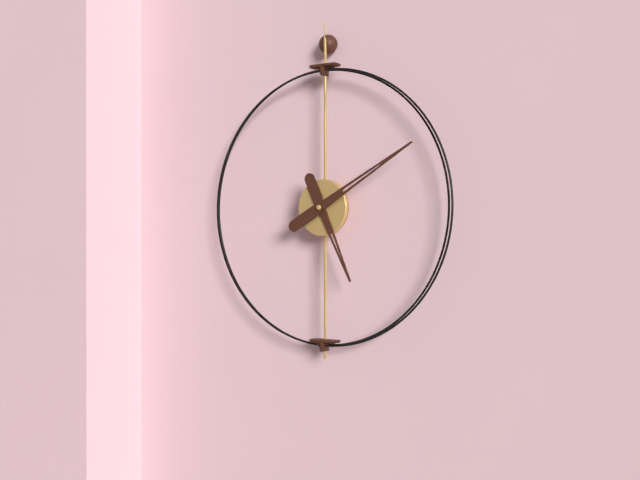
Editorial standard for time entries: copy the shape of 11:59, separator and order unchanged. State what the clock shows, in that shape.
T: 5:10
